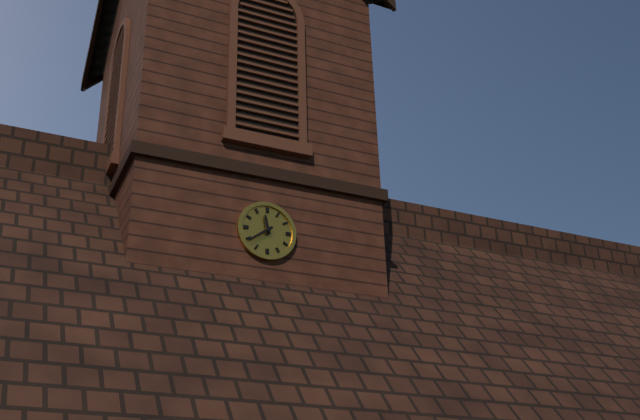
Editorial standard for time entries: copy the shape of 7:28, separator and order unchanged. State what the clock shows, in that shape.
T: 11:39
